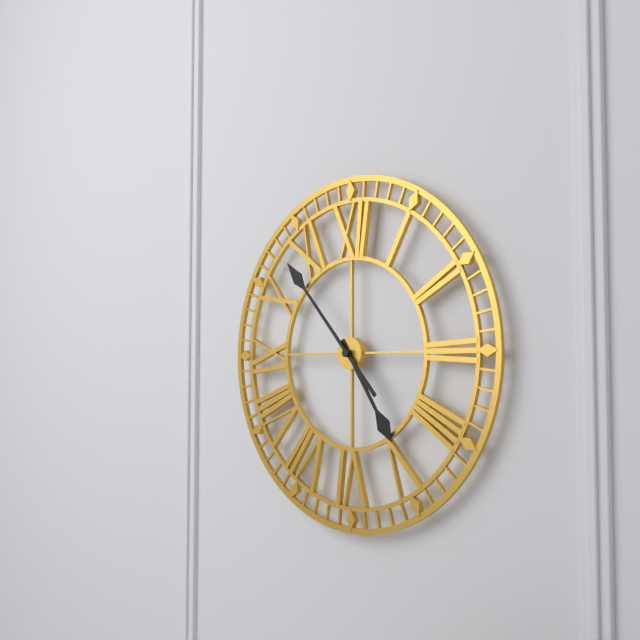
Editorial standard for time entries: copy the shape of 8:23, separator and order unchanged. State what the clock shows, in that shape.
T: 4:53
